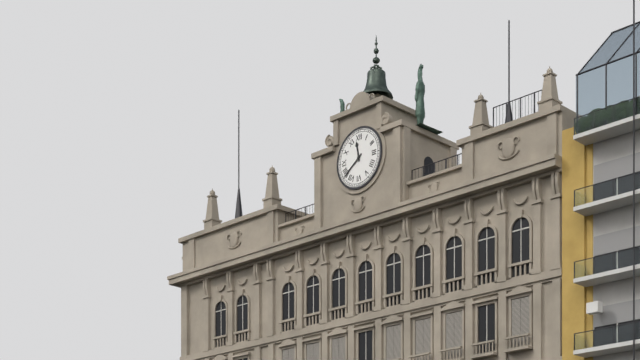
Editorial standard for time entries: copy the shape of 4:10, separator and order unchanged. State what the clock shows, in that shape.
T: 11:39
